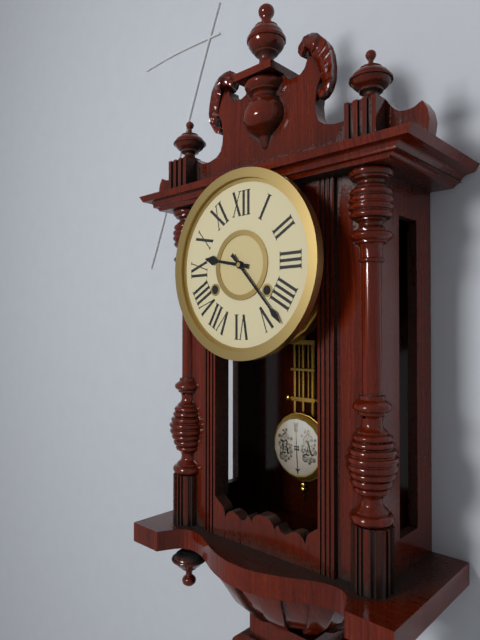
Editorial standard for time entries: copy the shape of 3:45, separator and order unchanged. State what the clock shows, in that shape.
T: 9:23
